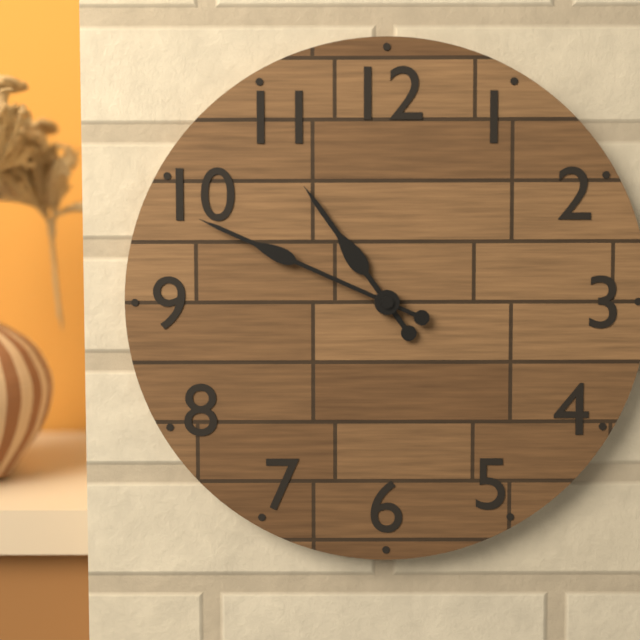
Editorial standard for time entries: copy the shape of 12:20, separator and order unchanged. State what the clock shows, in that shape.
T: 10:49
